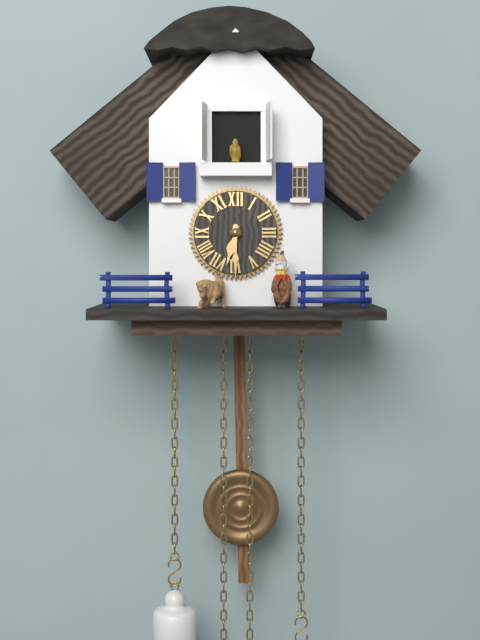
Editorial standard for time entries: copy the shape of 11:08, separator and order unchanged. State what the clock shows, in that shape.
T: 6:30
